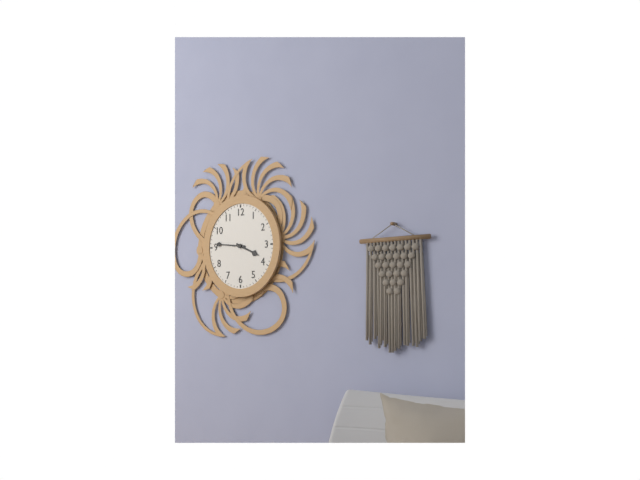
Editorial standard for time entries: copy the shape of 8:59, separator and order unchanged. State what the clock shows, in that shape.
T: 3:46
